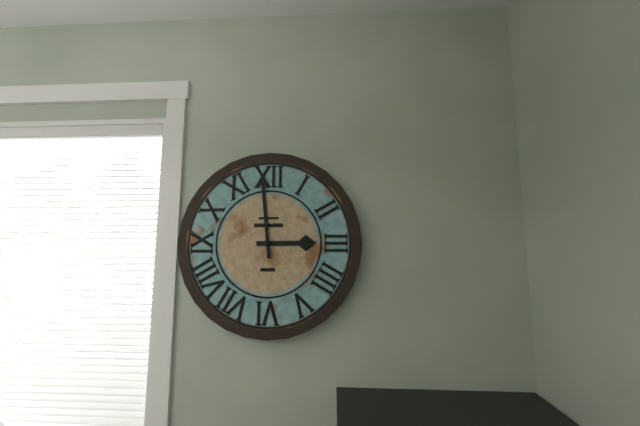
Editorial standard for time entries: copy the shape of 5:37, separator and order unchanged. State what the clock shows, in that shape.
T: 2:59
